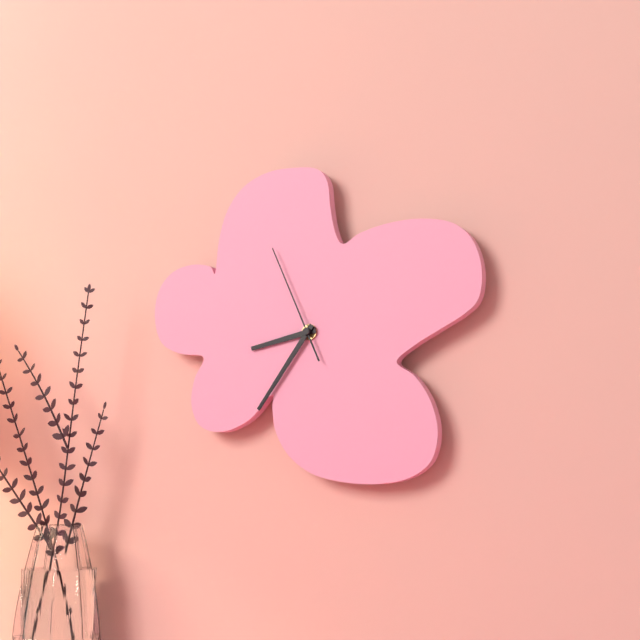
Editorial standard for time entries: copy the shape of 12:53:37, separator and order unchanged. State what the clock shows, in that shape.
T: 8:36:56
